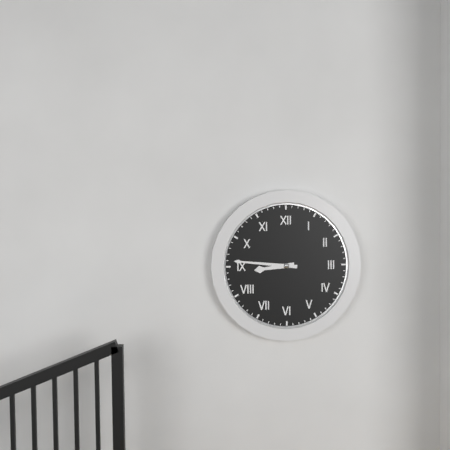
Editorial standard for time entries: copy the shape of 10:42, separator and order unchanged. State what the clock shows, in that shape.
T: 8:46
